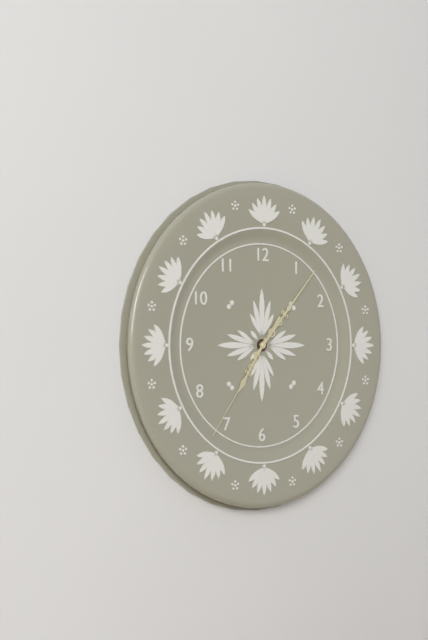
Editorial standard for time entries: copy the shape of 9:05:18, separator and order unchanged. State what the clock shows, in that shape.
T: 7:07:36
